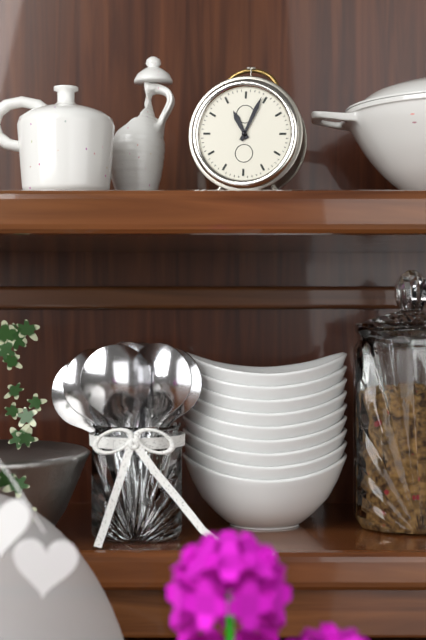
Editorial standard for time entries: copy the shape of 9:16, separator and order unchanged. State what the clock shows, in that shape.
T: 11:04
